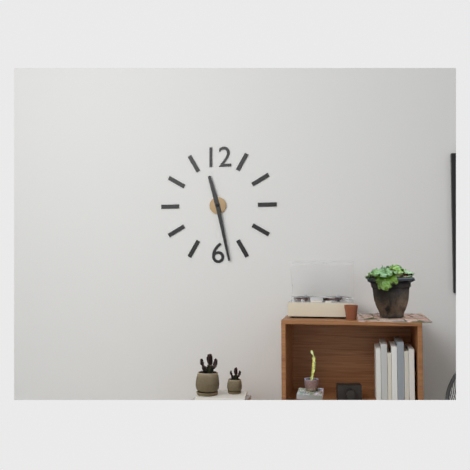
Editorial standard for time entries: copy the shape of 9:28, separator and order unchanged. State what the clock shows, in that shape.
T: 11:28
